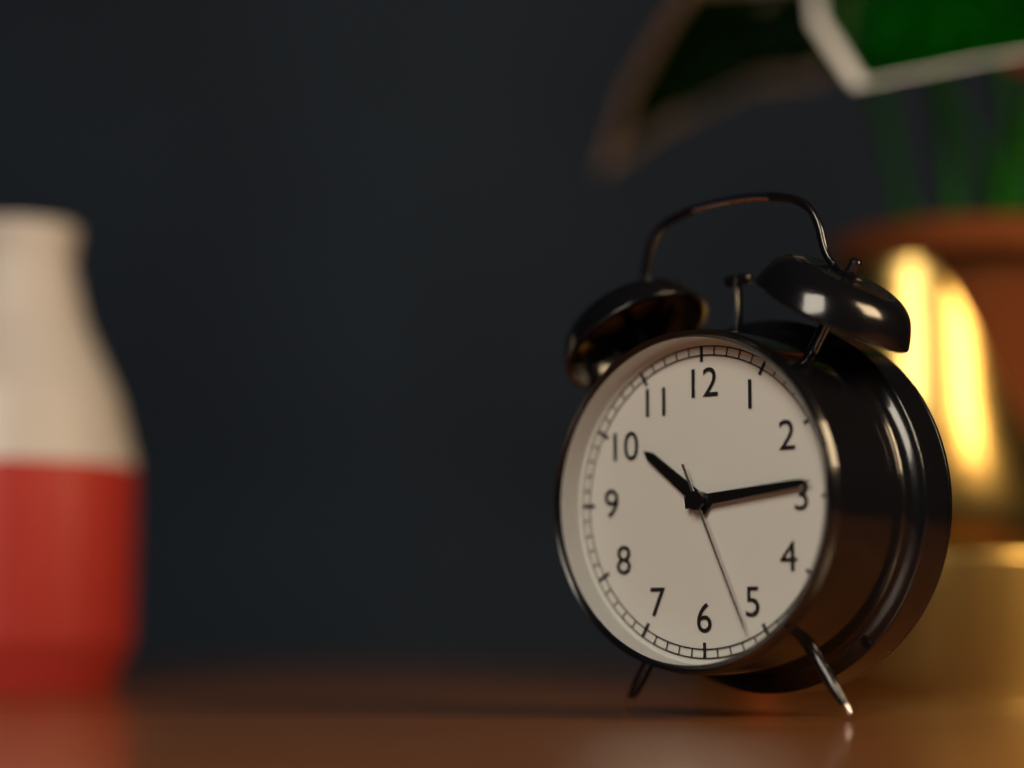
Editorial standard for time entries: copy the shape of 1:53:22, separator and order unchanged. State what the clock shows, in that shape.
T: 10:14:26
